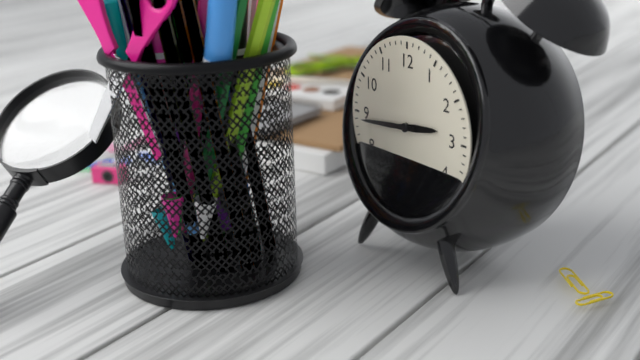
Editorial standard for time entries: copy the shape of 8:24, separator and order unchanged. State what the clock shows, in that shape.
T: 2:44
